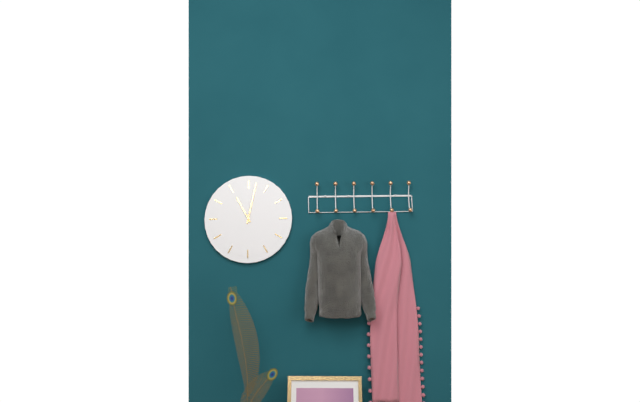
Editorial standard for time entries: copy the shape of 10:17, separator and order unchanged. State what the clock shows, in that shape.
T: 11:02
